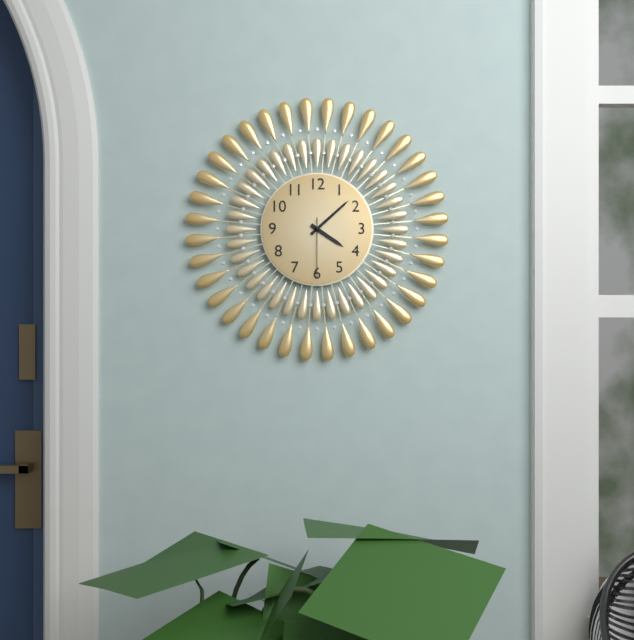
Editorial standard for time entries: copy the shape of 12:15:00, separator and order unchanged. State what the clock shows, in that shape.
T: 4:08:30
